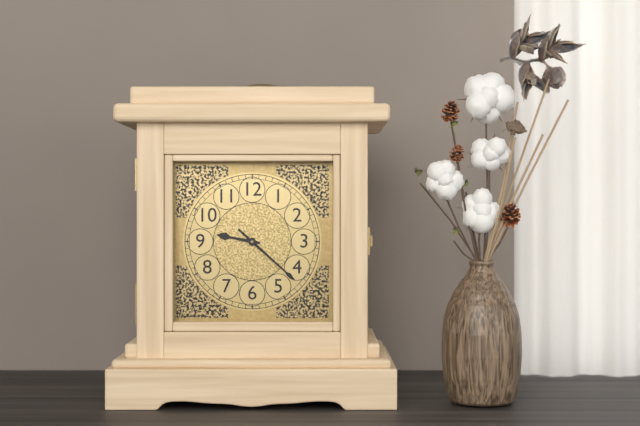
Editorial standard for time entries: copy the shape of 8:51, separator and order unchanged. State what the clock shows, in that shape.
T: 9:22
